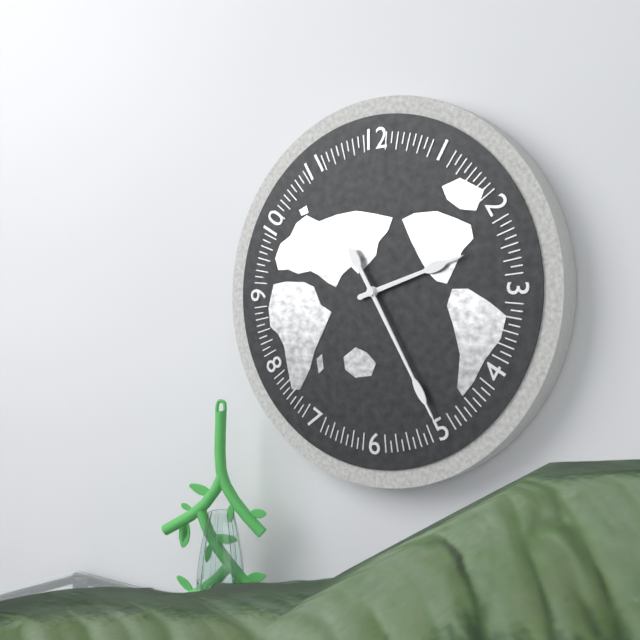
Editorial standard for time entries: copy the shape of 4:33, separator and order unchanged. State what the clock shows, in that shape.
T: 2:25
